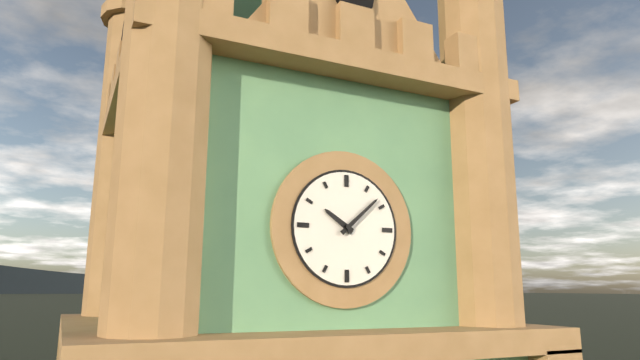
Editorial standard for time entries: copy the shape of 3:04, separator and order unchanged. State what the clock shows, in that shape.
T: 10:08
